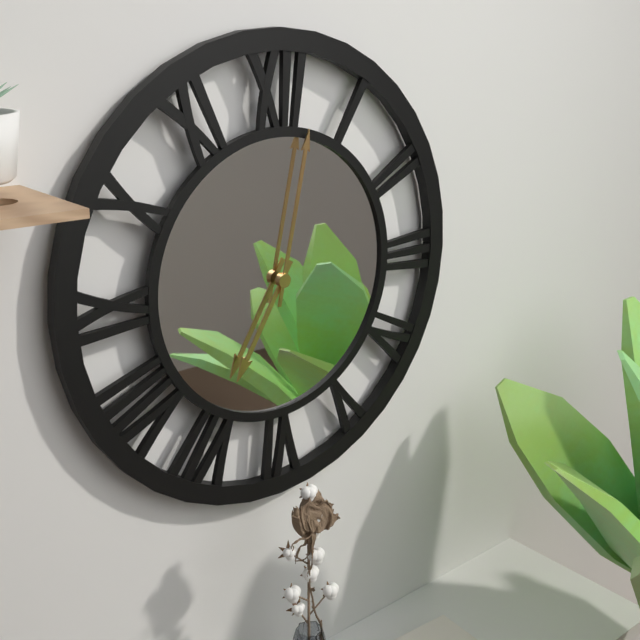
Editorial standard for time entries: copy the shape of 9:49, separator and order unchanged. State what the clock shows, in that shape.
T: 7:02
